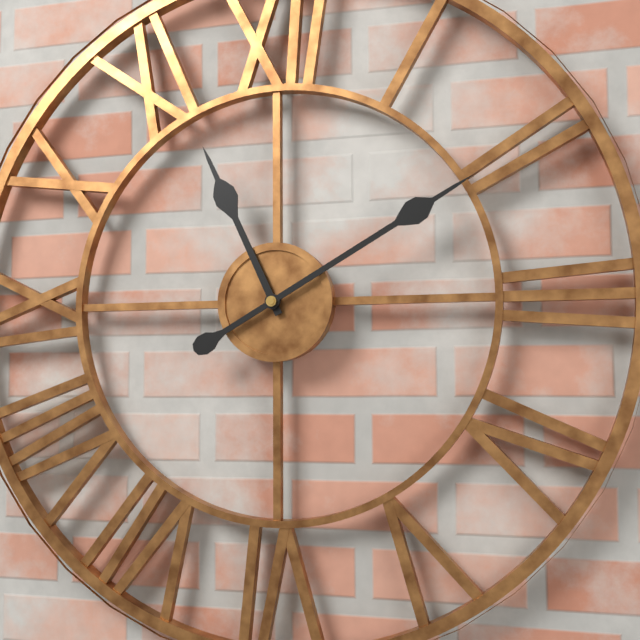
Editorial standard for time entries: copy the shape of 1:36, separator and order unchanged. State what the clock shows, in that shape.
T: 11:10
